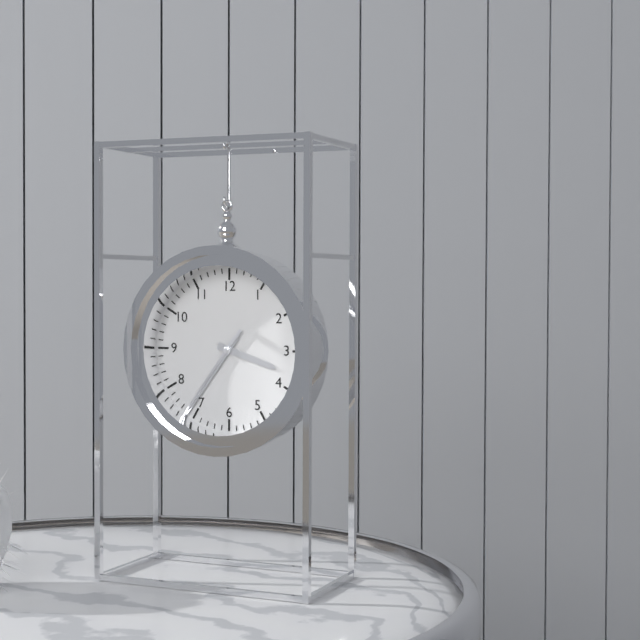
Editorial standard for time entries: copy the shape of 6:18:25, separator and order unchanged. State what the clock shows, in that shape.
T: 3:36:36
